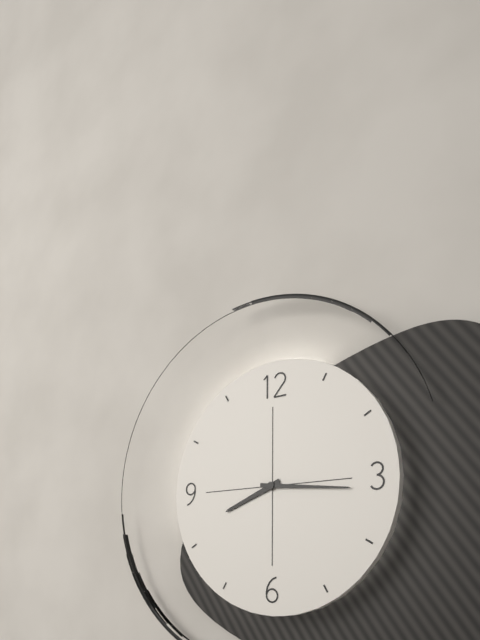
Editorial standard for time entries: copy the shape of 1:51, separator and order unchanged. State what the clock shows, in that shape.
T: 8:16
